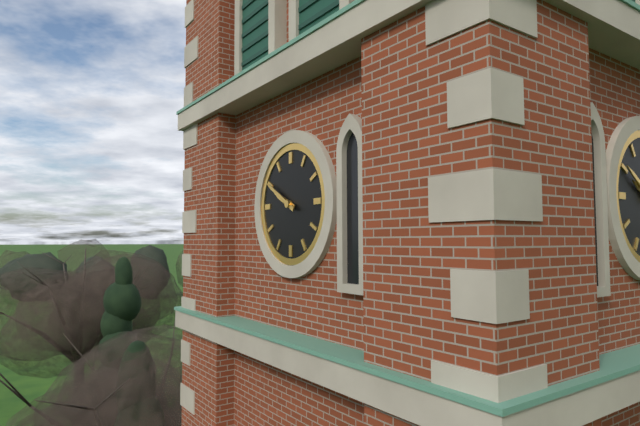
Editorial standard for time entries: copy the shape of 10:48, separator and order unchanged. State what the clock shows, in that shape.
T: 9:50
